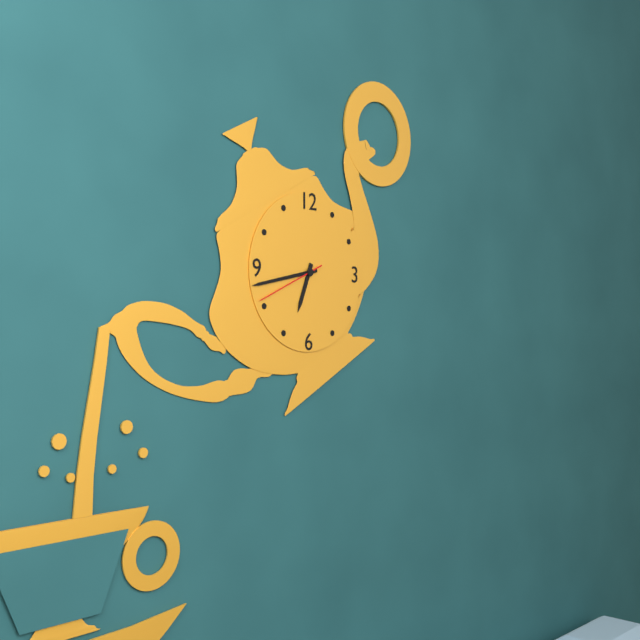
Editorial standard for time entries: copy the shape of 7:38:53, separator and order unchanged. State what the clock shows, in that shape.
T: 6:43:41
